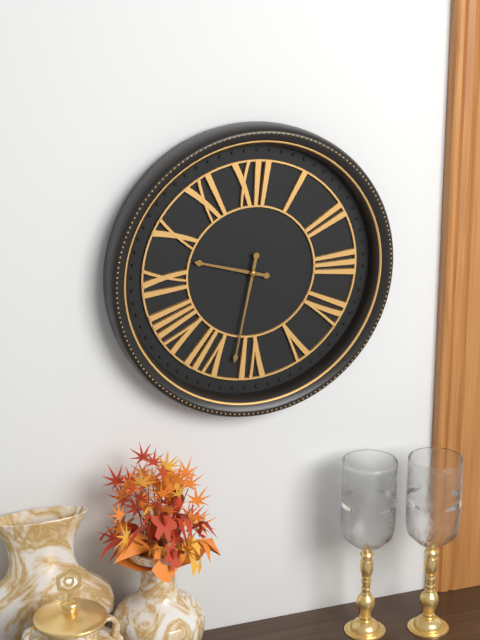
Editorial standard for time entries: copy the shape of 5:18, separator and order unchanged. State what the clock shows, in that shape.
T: 9:32
